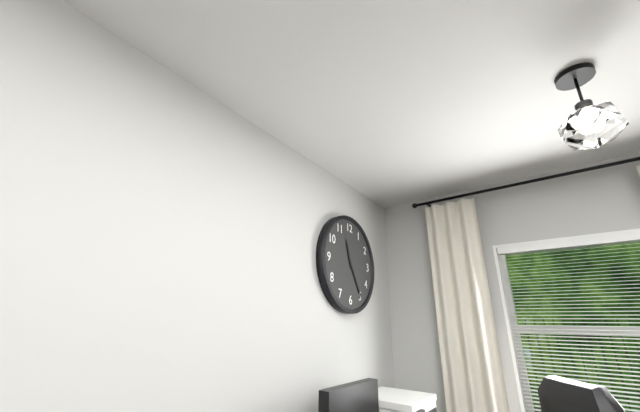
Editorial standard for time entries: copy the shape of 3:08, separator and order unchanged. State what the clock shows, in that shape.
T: 11:25
